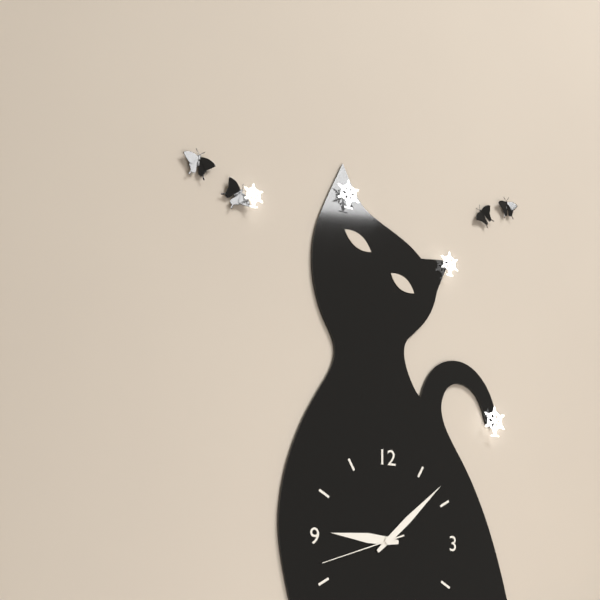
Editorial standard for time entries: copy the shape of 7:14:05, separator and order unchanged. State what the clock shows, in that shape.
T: 9:08:42
